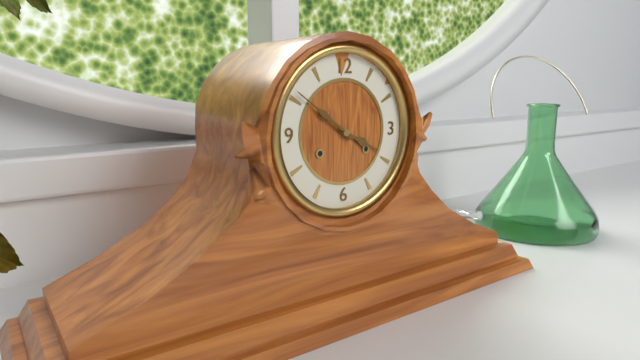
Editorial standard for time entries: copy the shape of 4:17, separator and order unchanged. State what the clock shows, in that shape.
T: 3:51
